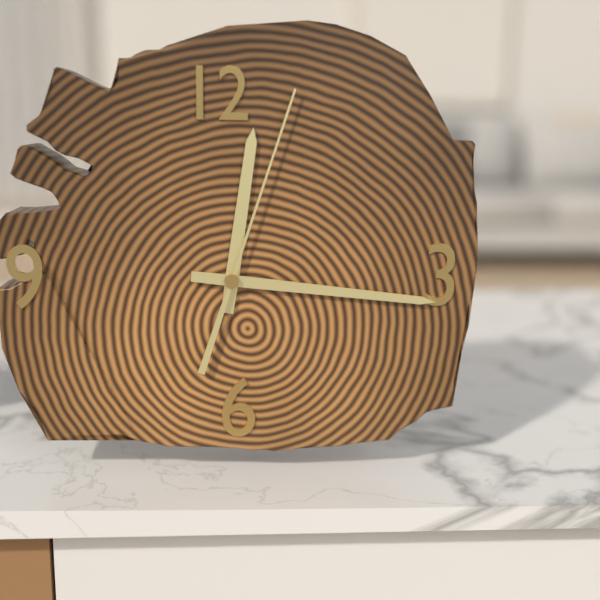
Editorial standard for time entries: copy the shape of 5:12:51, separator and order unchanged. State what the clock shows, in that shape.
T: 12:16:03
